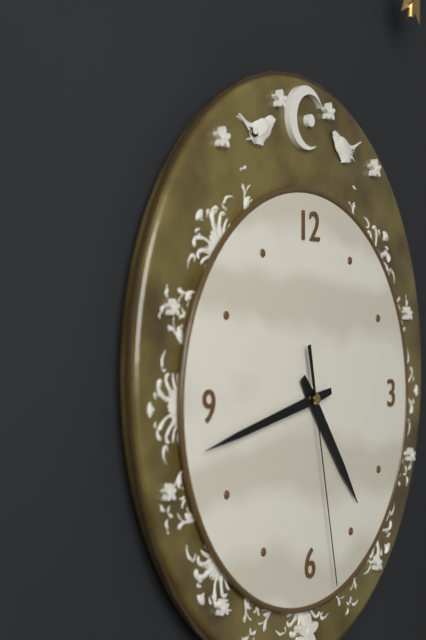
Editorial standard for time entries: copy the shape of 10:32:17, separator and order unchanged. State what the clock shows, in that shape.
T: 4:43:28
